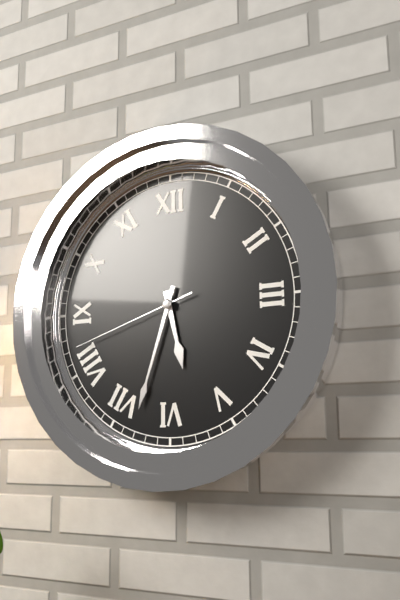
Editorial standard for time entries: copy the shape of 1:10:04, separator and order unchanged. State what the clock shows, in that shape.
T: 5:33:42
